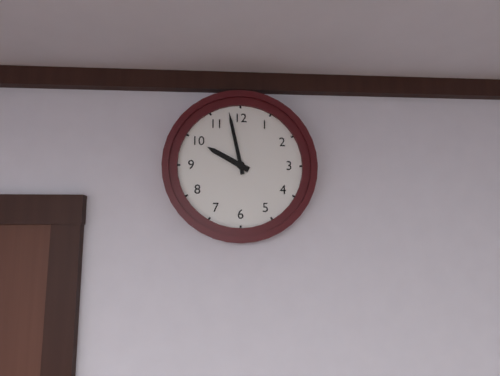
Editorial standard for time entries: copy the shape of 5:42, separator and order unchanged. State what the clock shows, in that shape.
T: 9:58
